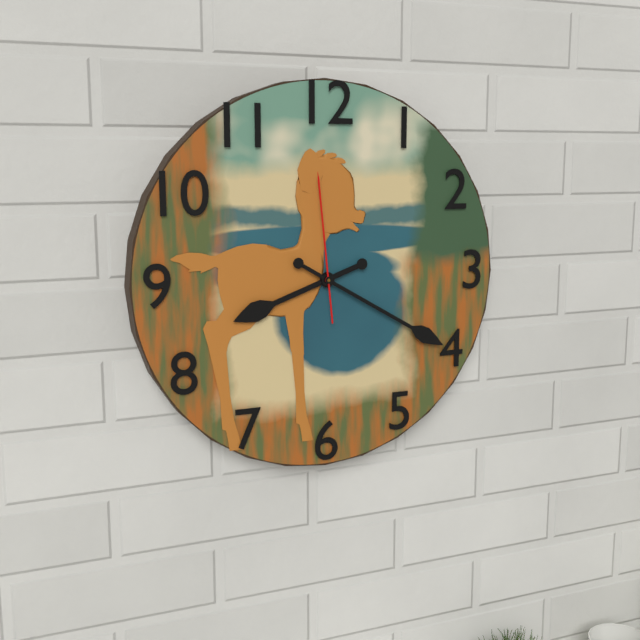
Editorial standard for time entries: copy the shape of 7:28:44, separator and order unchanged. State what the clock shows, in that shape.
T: 8:20:59
